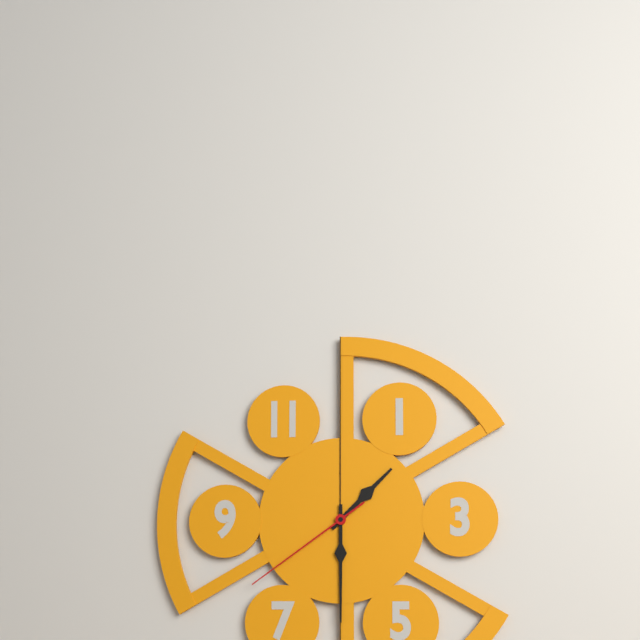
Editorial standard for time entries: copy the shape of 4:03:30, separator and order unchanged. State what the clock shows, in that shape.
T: 1:30:39
